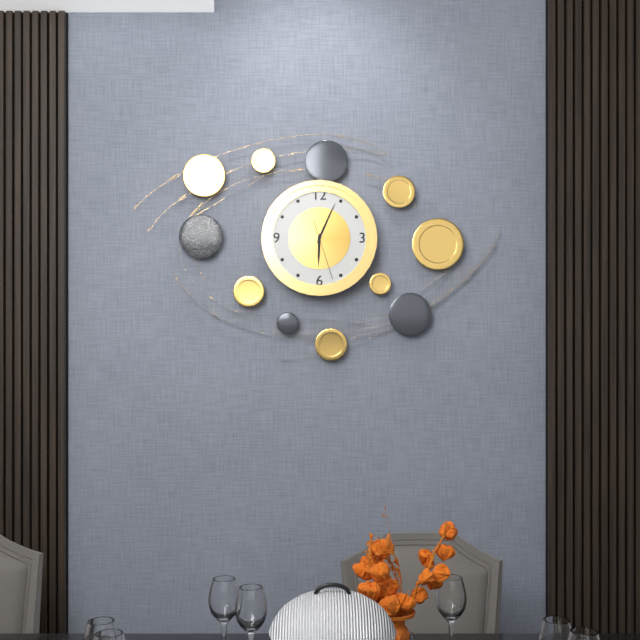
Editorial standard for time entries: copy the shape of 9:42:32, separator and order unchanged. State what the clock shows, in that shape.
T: 6:04:27
